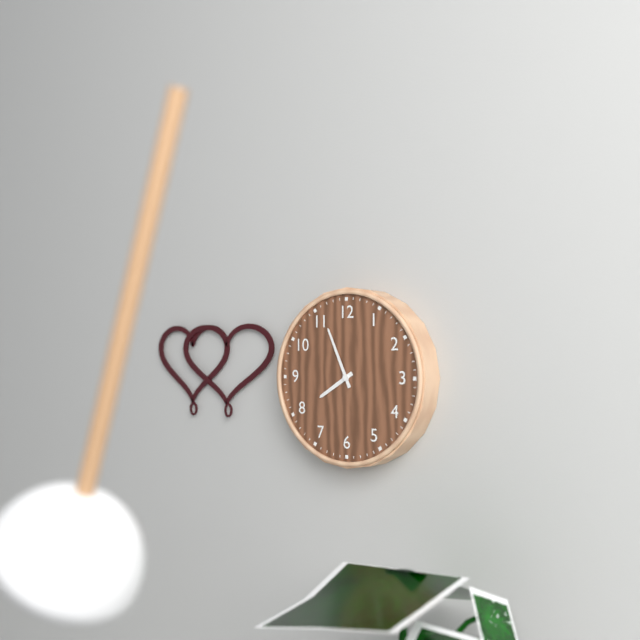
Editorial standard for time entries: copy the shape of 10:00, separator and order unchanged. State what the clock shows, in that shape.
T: 7:56
